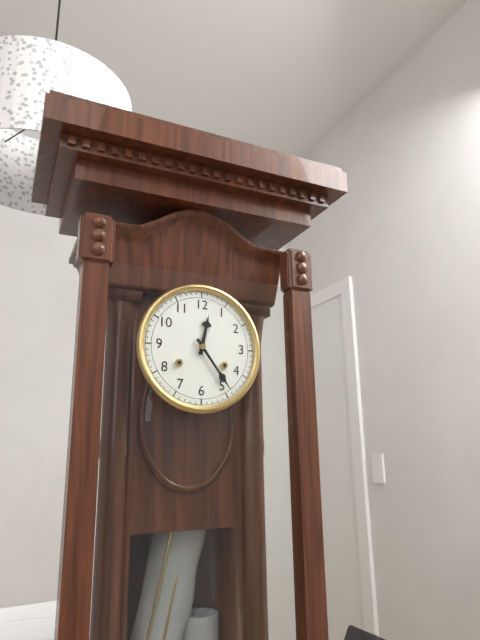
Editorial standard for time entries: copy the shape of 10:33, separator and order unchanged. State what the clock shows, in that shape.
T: 12:24
